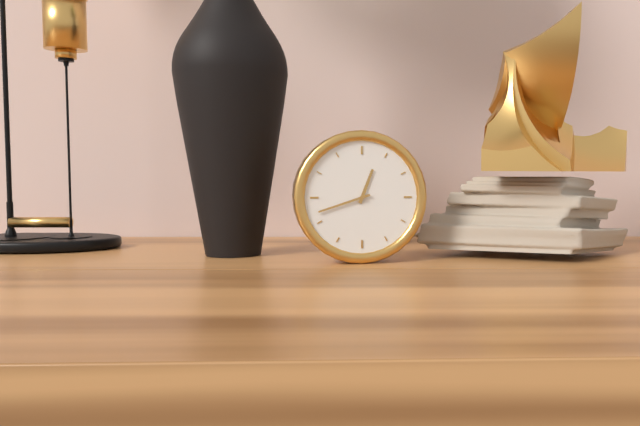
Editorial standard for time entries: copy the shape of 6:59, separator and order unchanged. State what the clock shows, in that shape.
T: 12:42
